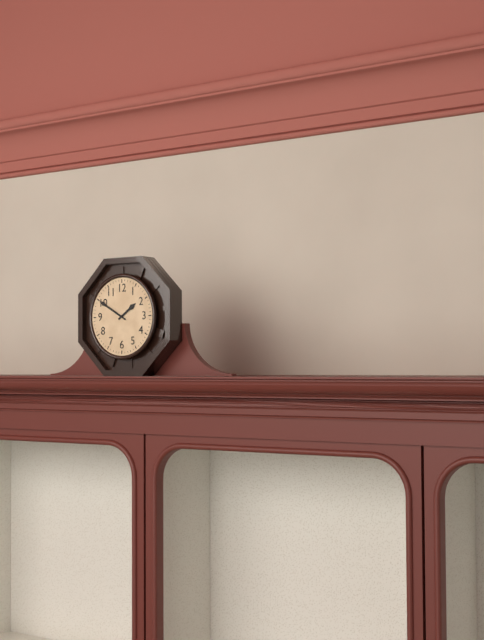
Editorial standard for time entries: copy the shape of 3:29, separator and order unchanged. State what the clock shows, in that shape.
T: 1:50
